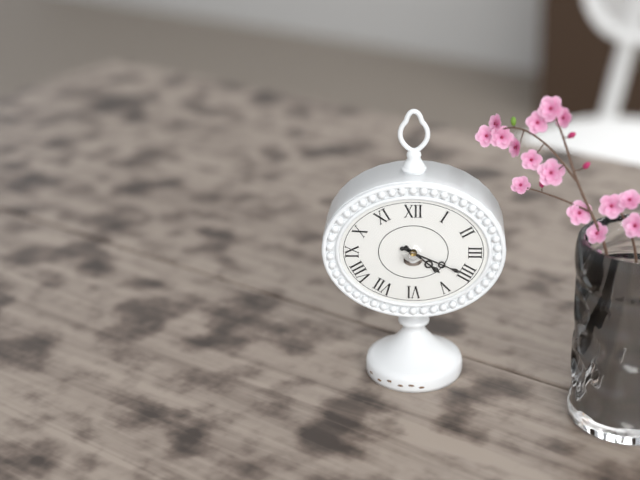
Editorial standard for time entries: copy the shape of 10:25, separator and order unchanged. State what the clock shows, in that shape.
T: 4:19
